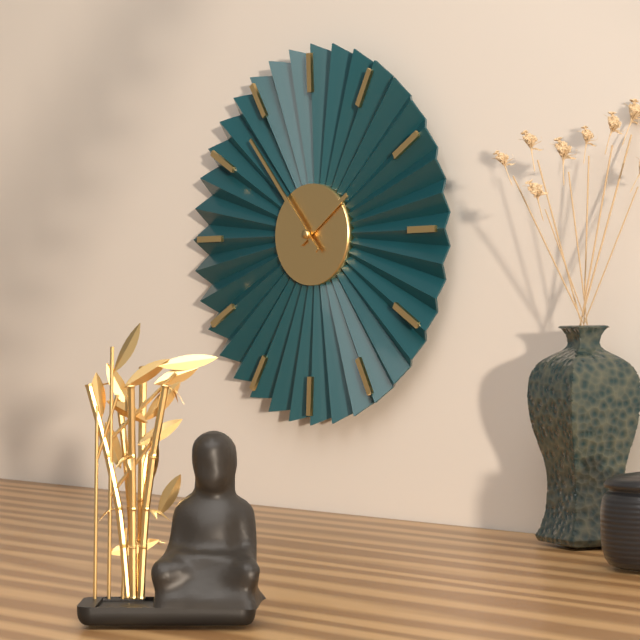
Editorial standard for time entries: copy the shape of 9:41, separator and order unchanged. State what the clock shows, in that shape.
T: 1:53
